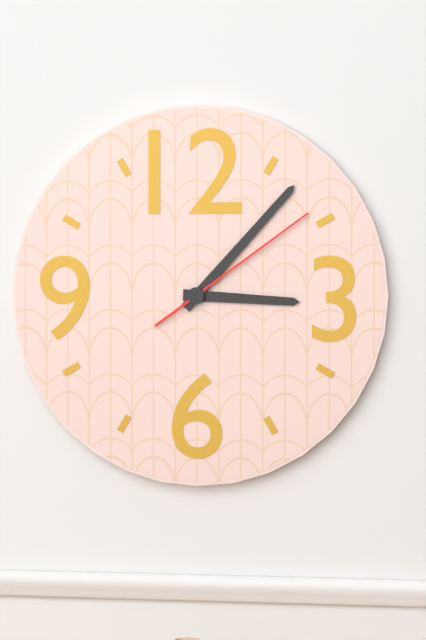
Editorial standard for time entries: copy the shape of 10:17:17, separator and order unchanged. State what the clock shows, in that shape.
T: 3:07:09
